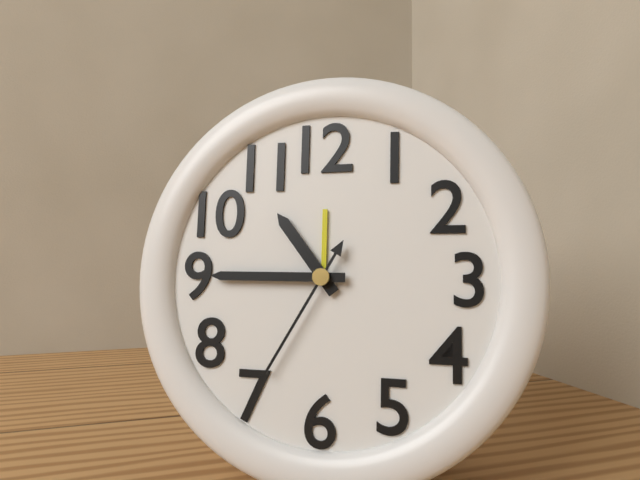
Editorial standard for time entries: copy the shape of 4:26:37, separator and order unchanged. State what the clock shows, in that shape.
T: 10:45:35
